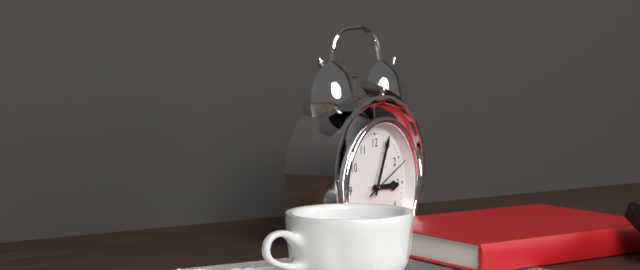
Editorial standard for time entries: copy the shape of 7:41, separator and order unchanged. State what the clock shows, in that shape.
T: 3:04
